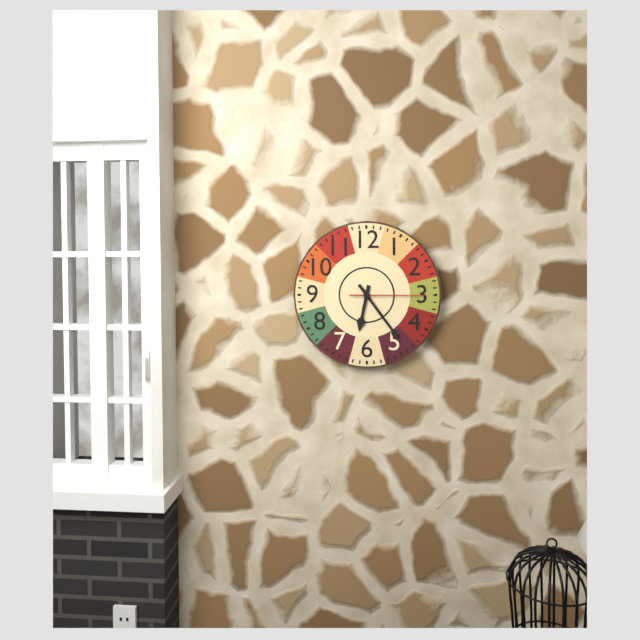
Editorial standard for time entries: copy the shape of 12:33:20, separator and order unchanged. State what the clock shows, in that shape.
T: 6:24:15
